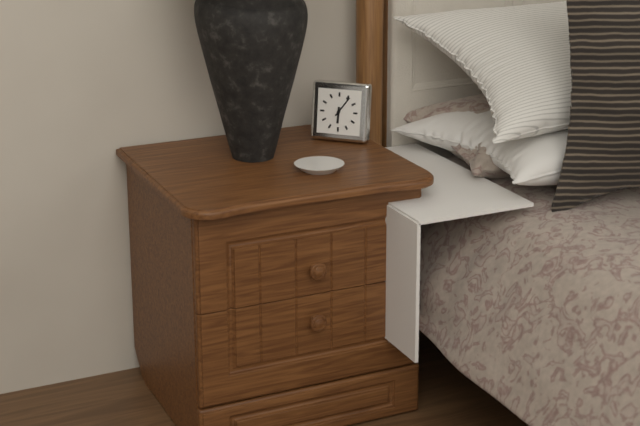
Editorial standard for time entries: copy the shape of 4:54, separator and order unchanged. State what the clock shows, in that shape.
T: 6:06
